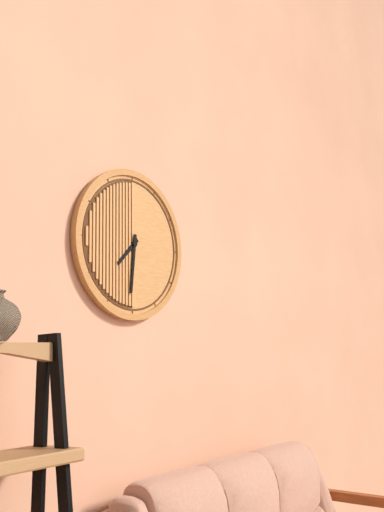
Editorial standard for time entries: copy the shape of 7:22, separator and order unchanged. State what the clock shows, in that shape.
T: 7:31
